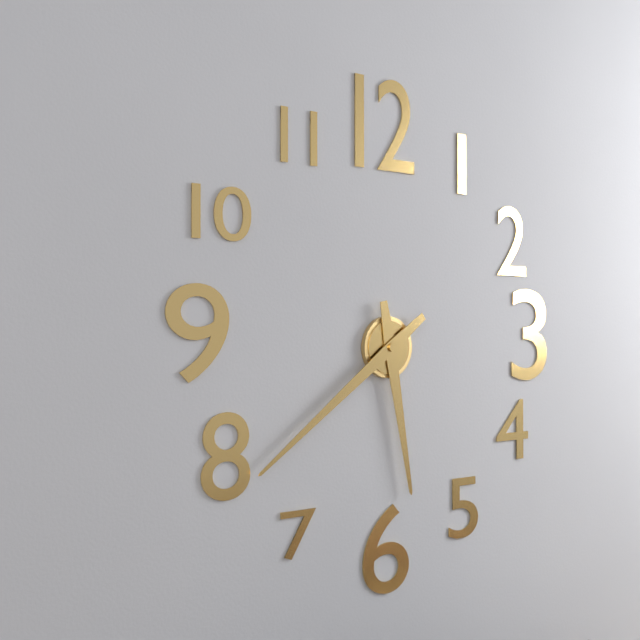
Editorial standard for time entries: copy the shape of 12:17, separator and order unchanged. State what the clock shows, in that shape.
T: 5:39
